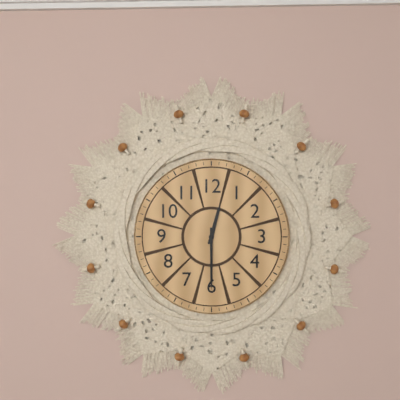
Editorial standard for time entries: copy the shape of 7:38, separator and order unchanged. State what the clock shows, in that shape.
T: 12:30
